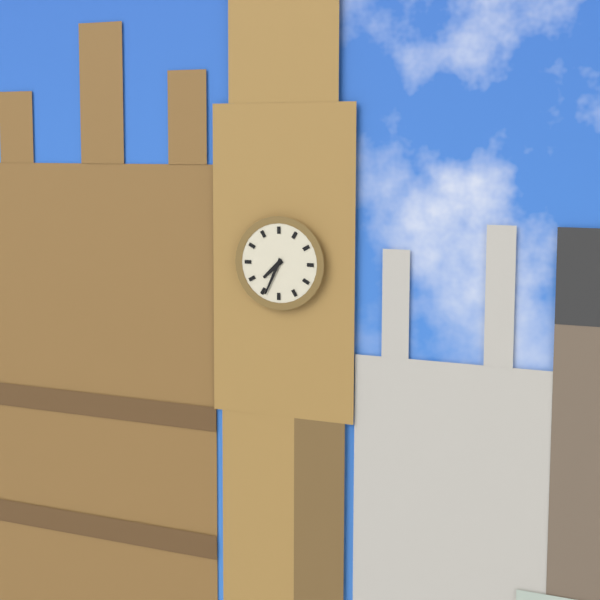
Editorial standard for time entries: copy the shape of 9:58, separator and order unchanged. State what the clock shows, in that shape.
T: 7:34
